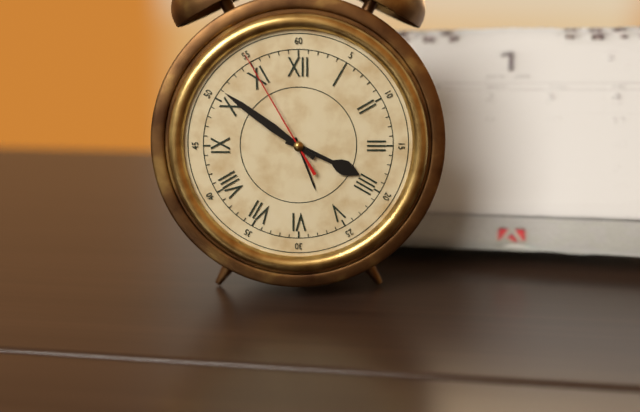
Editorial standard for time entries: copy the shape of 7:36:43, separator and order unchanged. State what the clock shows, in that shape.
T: 3:51:55
